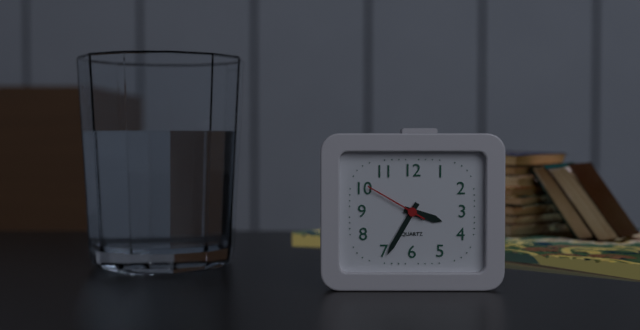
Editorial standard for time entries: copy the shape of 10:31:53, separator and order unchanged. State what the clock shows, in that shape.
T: 3:35:50
